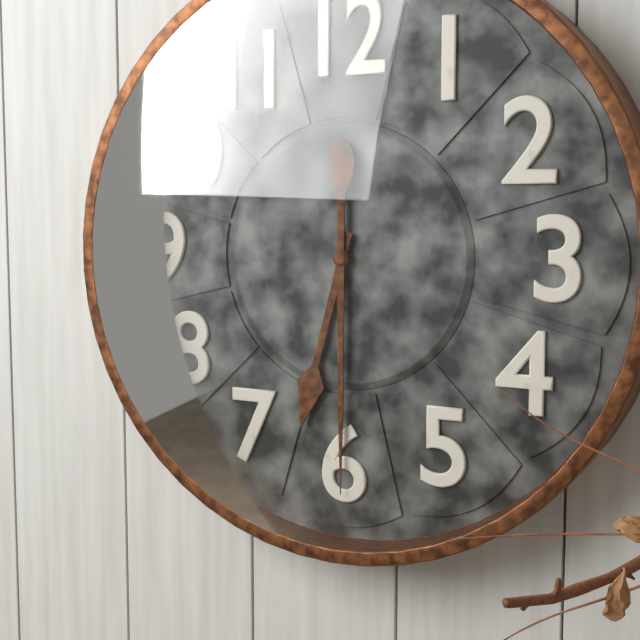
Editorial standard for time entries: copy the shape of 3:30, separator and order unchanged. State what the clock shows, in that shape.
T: 6:30
